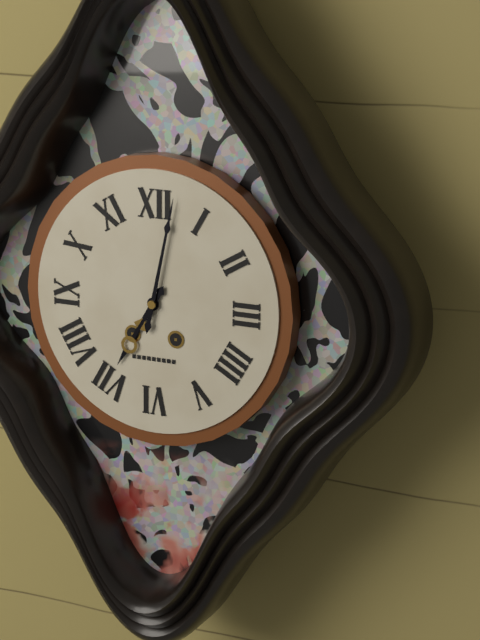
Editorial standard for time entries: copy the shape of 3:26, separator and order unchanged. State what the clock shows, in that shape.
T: 7:02
